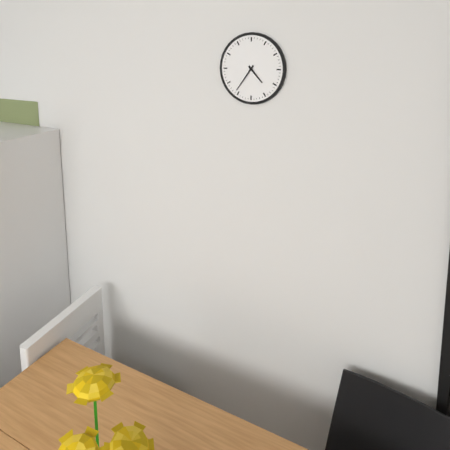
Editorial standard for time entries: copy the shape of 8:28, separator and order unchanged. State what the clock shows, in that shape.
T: 4:36
